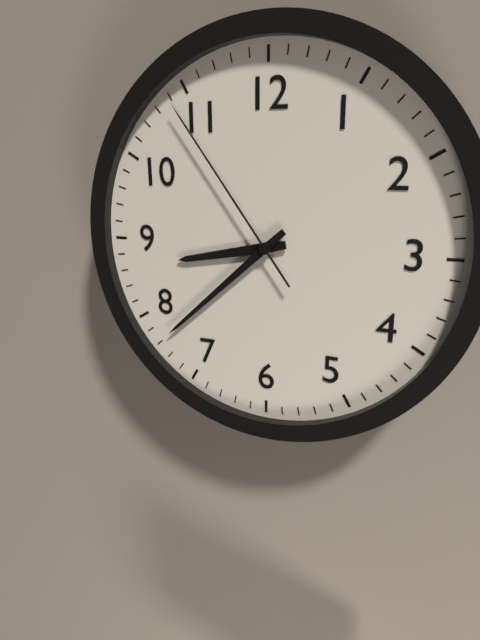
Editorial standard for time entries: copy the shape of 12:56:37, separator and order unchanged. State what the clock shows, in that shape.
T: 8:38:54
